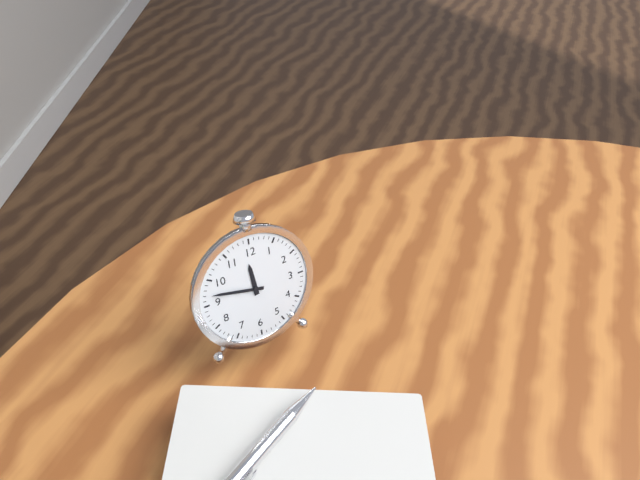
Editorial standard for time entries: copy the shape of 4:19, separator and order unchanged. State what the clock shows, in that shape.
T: 11:47
